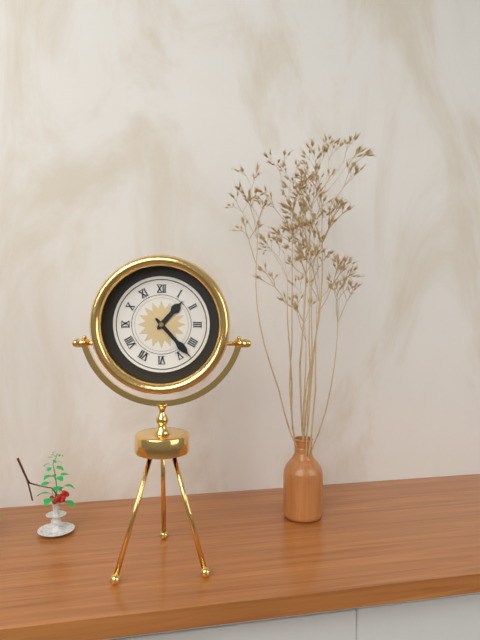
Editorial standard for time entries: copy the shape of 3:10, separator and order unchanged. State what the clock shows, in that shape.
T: 1:23
